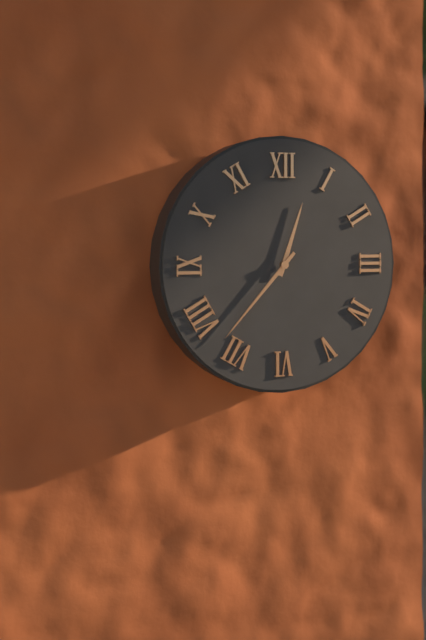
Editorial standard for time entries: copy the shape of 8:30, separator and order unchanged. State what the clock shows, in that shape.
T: 12:37
